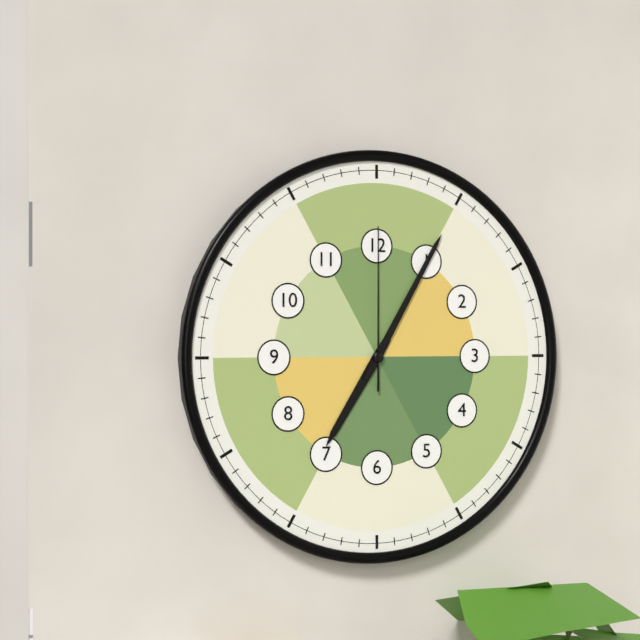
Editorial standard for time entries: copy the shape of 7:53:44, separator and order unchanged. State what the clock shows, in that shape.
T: 7:05:00
